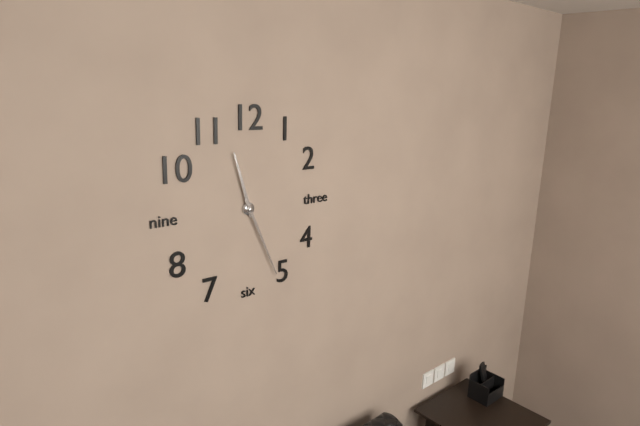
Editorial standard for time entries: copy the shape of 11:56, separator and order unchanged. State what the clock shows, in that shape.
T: 11:26
